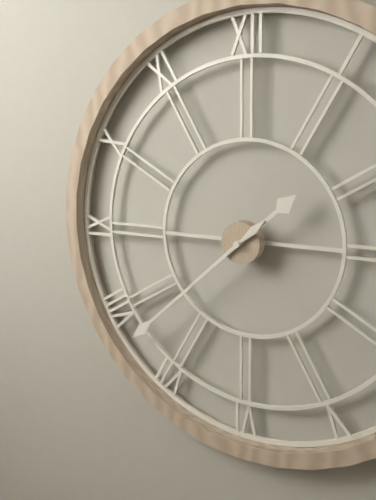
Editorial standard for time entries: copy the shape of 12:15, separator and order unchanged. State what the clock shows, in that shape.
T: 1:38
